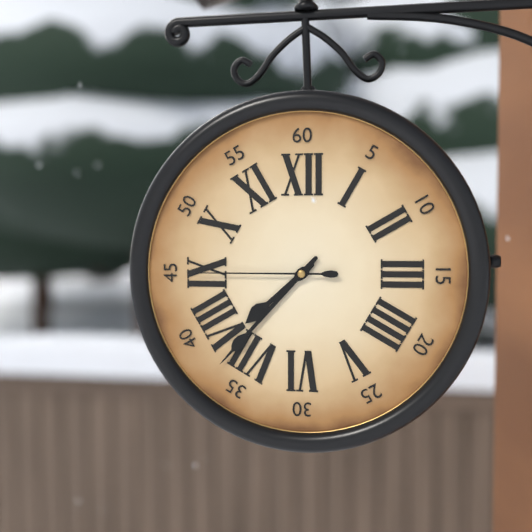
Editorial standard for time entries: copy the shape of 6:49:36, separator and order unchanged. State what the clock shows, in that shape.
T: 7:37:45
